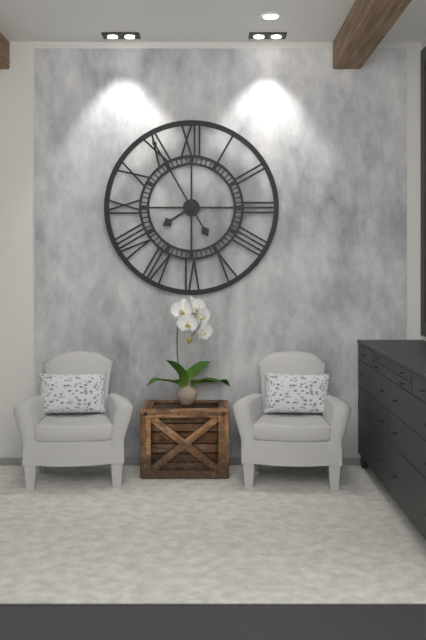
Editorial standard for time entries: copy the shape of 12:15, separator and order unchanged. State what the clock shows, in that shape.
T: 7:55
